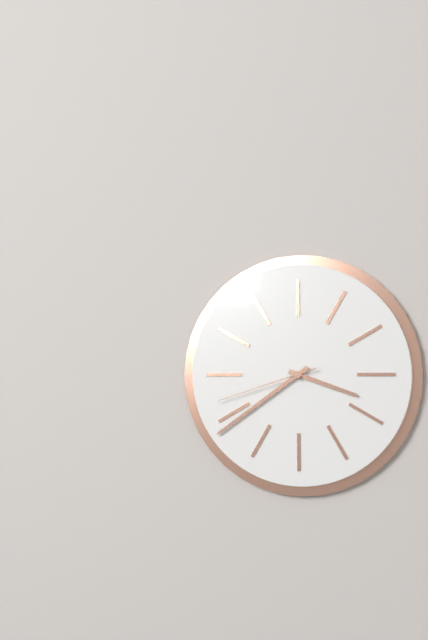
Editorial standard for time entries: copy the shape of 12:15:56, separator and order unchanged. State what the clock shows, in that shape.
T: 3:39:42
